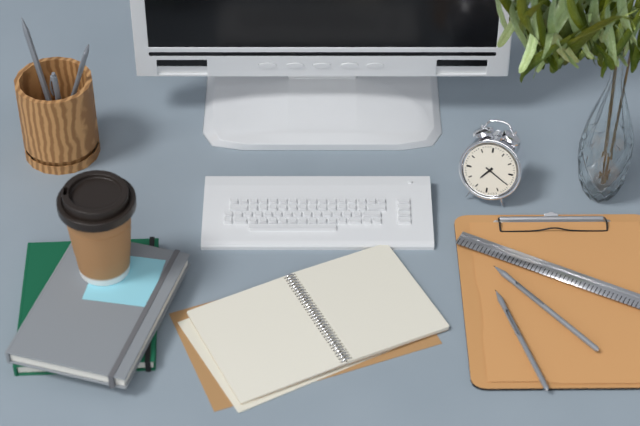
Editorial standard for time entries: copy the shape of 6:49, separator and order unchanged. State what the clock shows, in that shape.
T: 7:20
